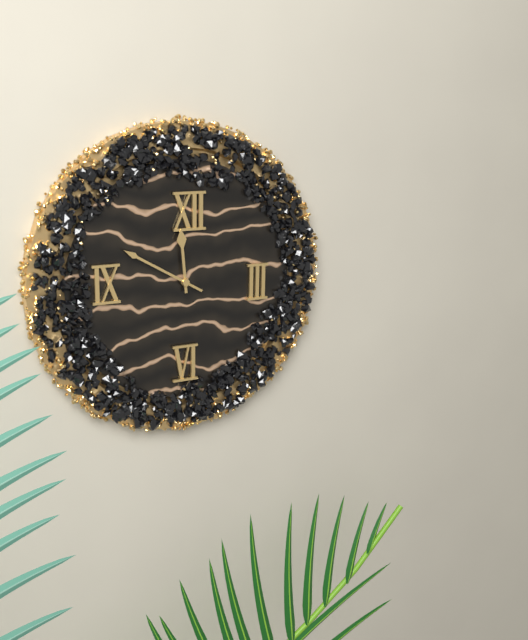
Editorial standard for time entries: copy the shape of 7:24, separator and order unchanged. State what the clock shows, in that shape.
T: 11:50
